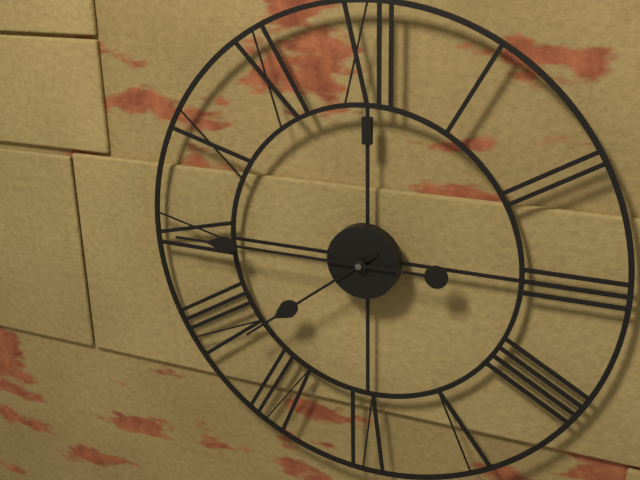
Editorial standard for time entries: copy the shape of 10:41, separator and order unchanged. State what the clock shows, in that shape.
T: 7:45
